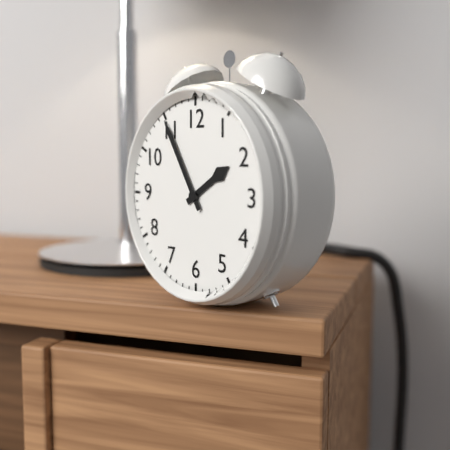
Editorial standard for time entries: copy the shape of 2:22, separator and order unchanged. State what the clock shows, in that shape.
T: 1:55
